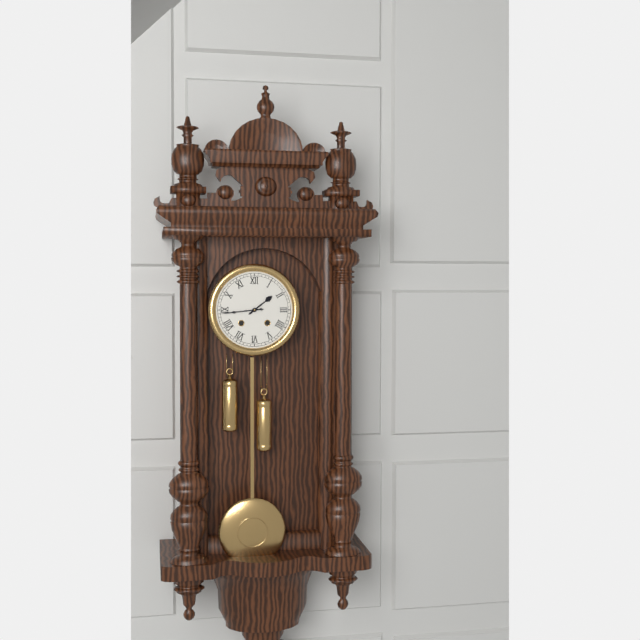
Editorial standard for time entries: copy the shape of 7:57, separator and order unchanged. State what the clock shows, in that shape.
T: 1:44
